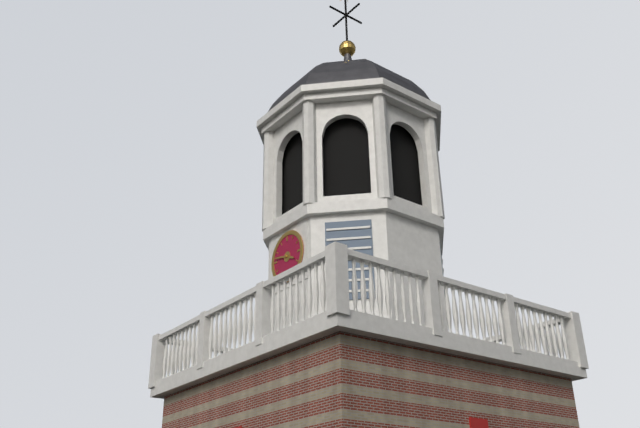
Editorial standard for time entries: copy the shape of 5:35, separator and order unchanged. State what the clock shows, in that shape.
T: 3:47
